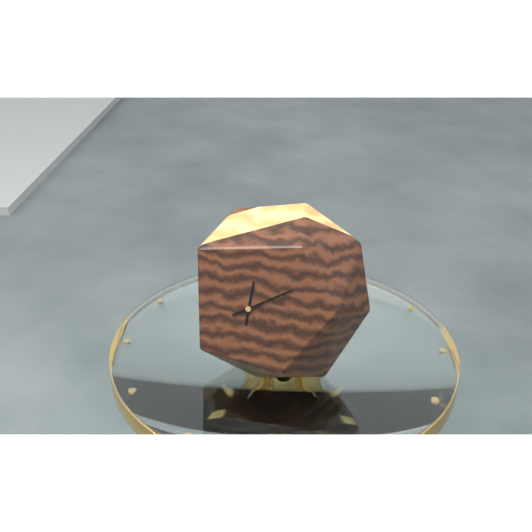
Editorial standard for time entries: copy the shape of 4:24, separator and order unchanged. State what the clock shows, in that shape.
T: 12:10
